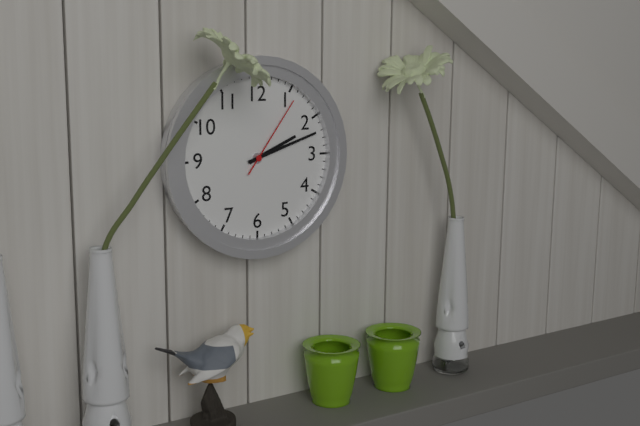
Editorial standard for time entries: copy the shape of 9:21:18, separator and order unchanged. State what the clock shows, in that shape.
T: 2:12:06
